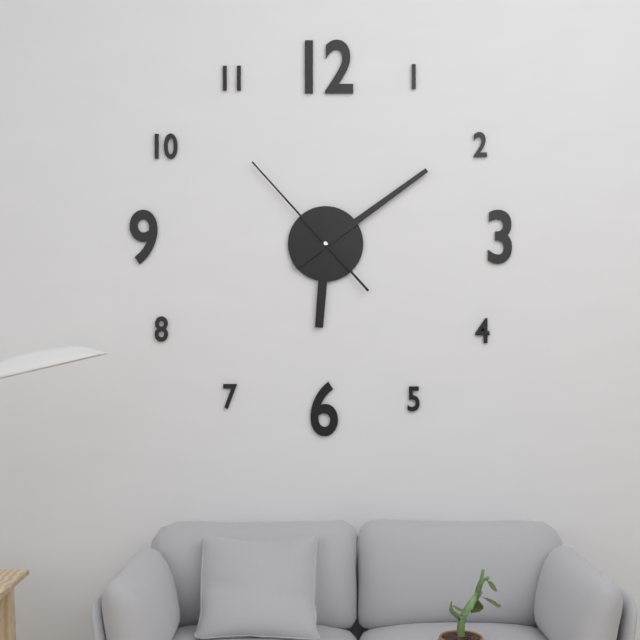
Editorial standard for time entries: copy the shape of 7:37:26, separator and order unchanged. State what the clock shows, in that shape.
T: 6:09:53
